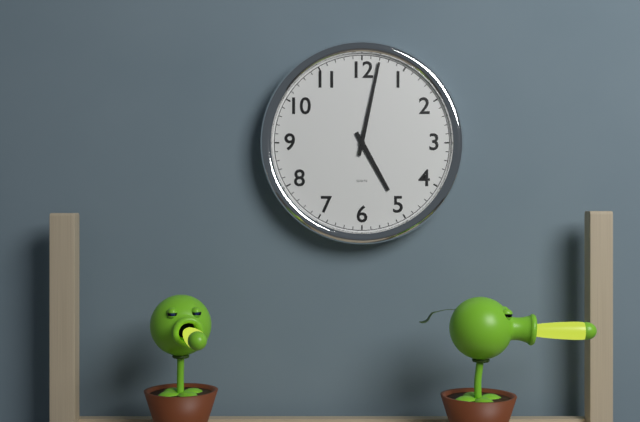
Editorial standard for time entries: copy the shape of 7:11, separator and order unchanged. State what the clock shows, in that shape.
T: 5:02
